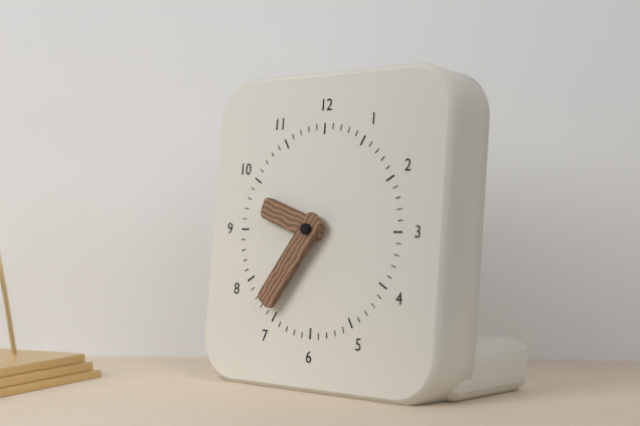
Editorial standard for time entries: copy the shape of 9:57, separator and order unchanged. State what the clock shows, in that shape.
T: 9:36
